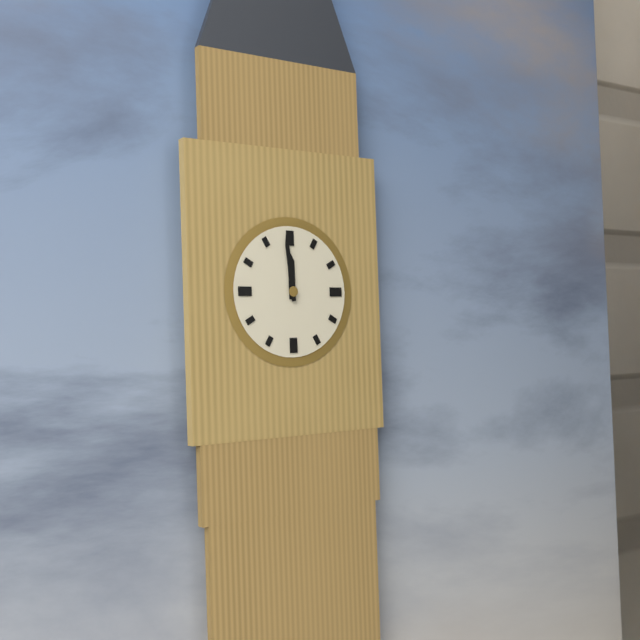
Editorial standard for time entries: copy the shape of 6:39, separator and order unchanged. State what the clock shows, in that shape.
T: 11:59
